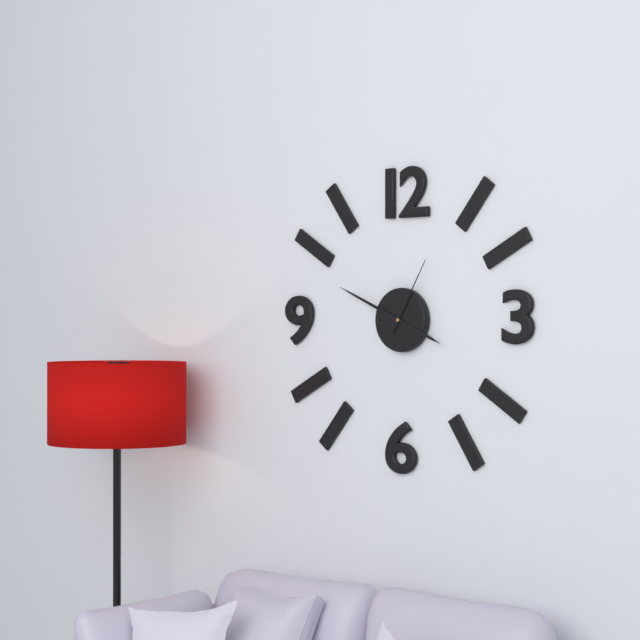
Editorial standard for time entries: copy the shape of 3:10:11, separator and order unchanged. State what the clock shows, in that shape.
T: 3:49:05
